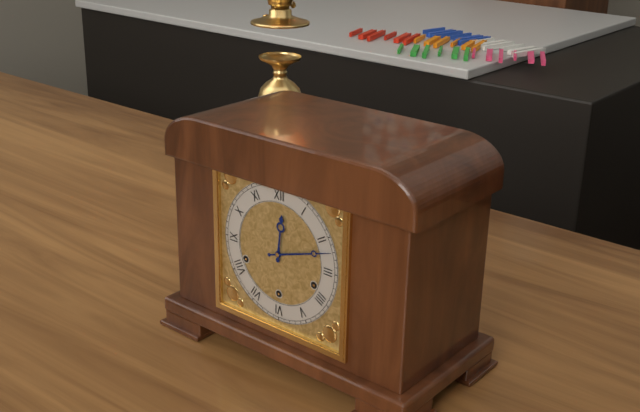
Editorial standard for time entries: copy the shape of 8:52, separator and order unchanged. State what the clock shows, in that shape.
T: 12:12
